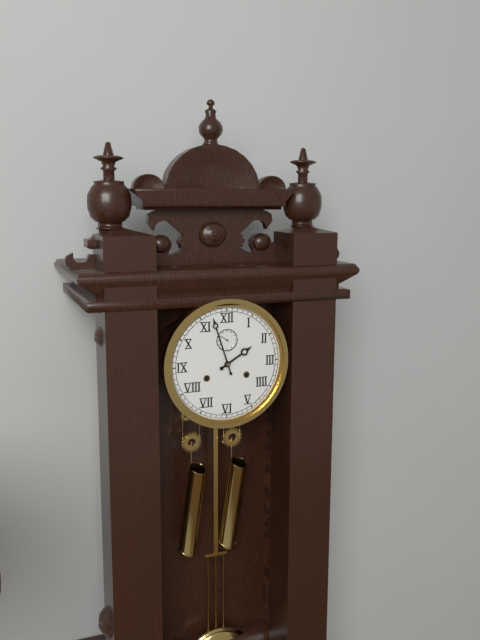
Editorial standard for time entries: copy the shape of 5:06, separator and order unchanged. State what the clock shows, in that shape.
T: 1:57
